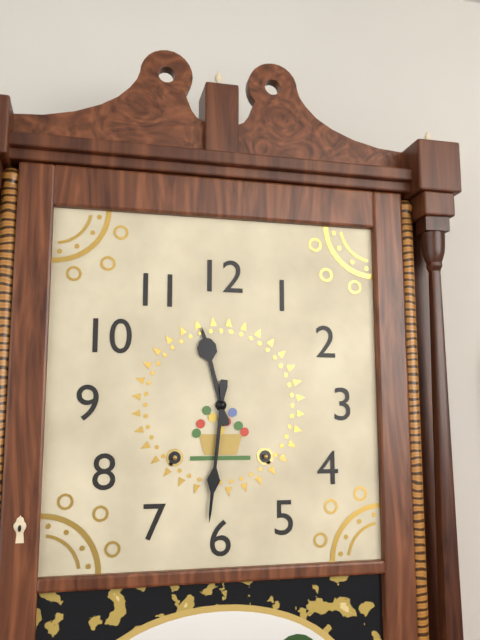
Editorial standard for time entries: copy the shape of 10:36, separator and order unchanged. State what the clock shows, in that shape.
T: 11:31
